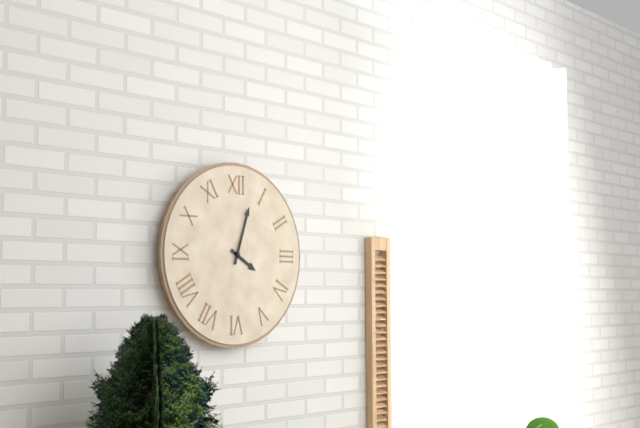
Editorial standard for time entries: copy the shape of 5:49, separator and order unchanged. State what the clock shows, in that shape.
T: 4:03
